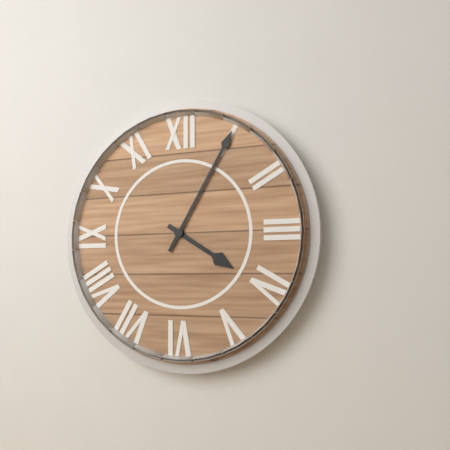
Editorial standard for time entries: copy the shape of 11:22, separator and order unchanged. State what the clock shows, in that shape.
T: 4:05
